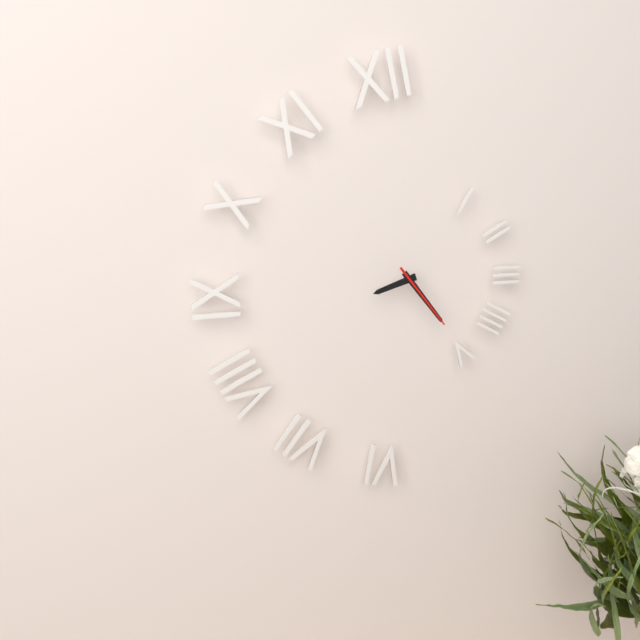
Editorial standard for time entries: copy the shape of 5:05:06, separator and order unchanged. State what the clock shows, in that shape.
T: 8:24:24
